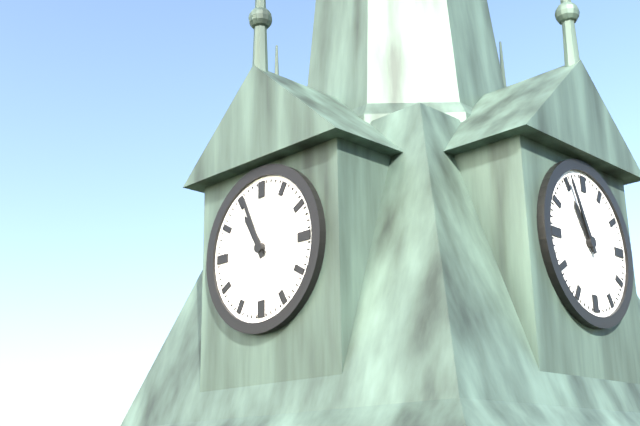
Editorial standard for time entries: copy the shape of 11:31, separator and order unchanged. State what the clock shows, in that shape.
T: 10:56
